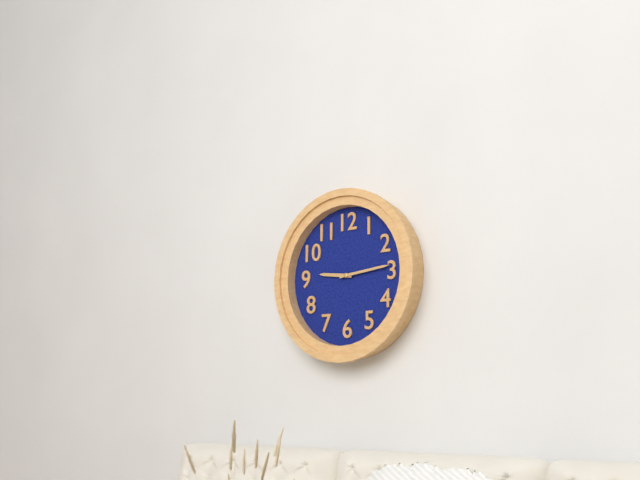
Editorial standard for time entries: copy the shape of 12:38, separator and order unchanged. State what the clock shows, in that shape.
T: 9:14
